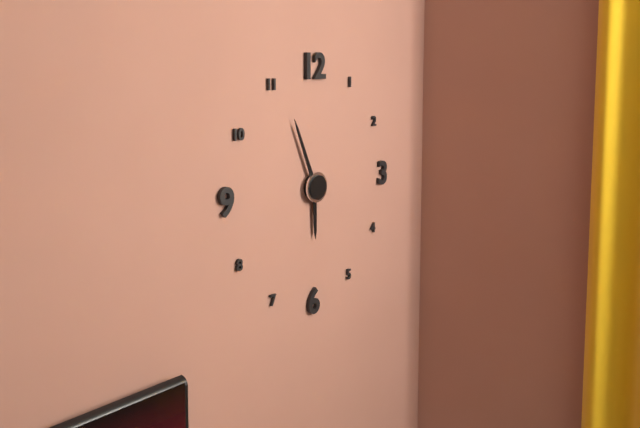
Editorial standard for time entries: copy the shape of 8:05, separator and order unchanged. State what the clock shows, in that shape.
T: 5:56
